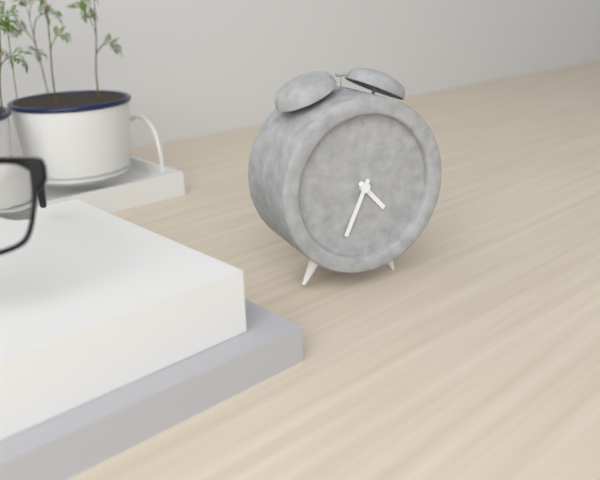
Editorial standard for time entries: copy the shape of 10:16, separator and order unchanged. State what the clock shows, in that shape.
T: 4:34
